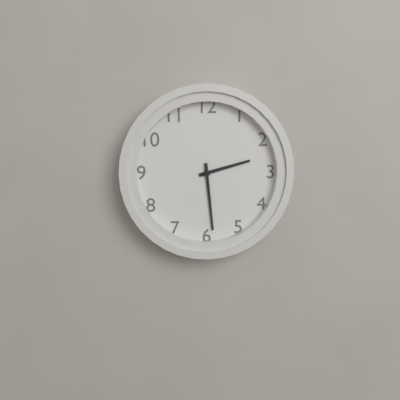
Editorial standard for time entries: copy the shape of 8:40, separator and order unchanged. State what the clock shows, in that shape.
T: 2:29
